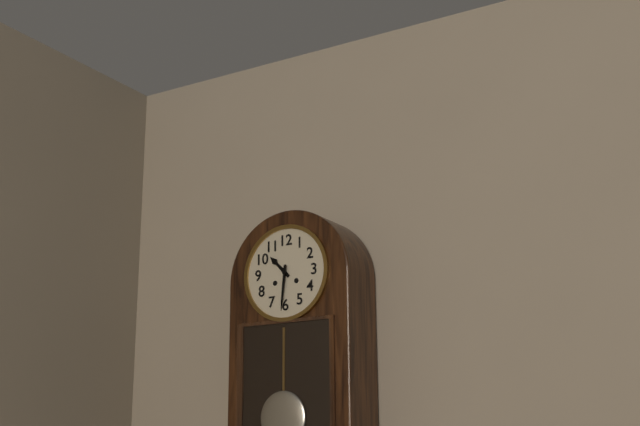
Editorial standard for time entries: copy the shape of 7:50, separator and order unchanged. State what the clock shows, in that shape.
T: 10:31
